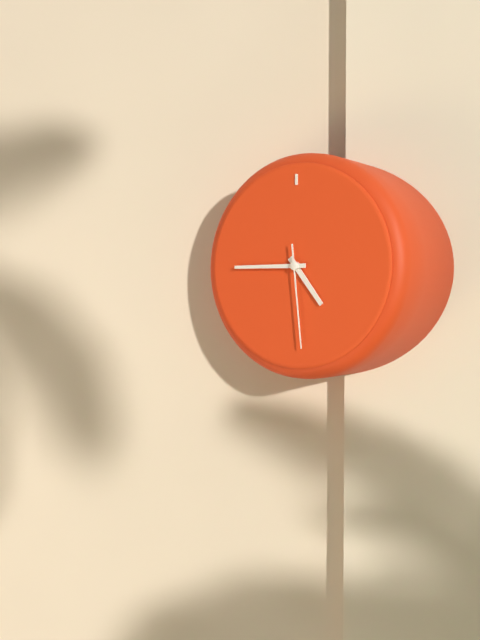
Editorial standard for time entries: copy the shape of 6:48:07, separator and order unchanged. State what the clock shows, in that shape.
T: 4:45:29
